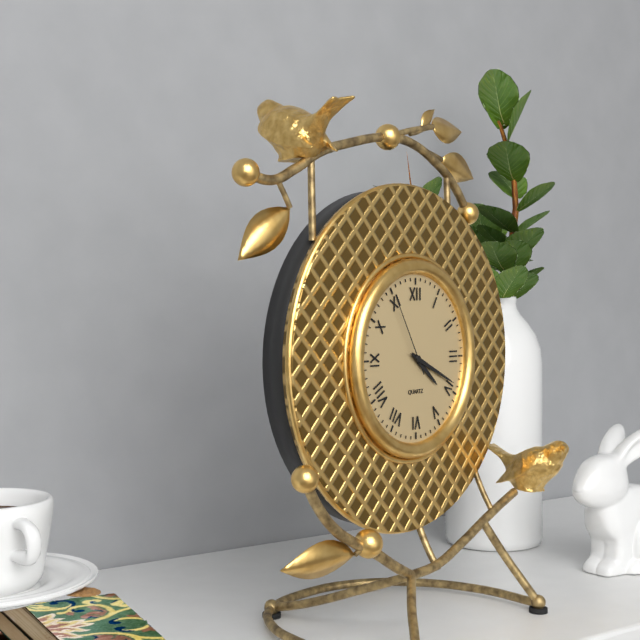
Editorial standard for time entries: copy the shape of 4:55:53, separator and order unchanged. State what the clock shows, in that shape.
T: 4:19:55
